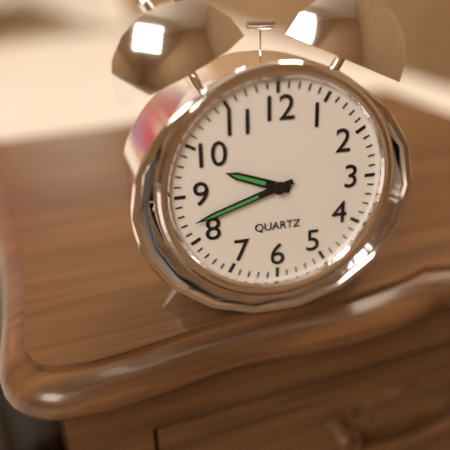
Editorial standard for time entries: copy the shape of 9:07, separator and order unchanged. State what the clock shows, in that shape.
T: 9:42
